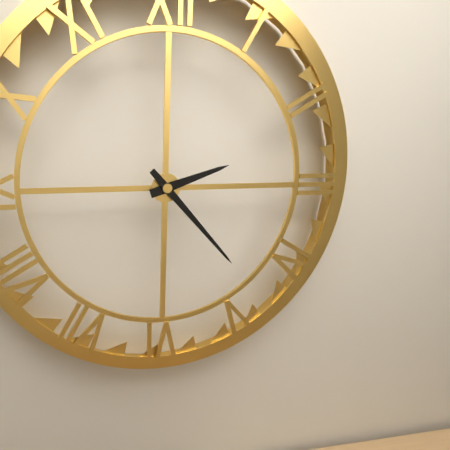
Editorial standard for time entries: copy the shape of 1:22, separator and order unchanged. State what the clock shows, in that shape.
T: 2:23
